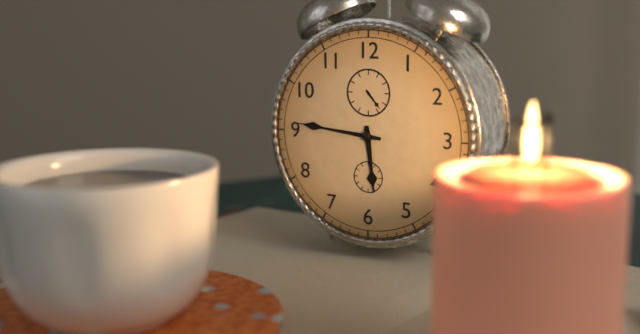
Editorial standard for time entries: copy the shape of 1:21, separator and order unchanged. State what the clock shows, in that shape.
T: 5:46
